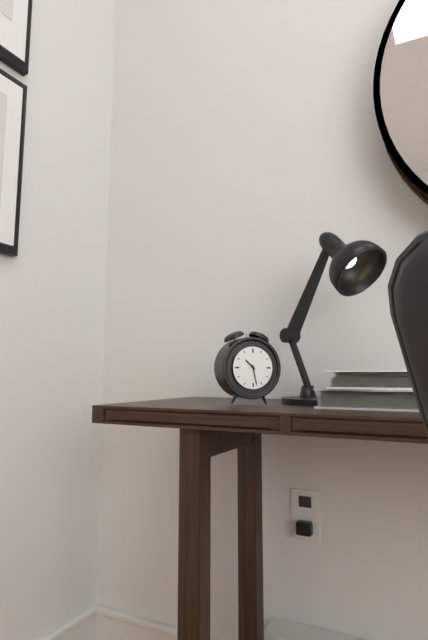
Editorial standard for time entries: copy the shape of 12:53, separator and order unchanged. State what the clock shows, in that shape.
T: 10:28
